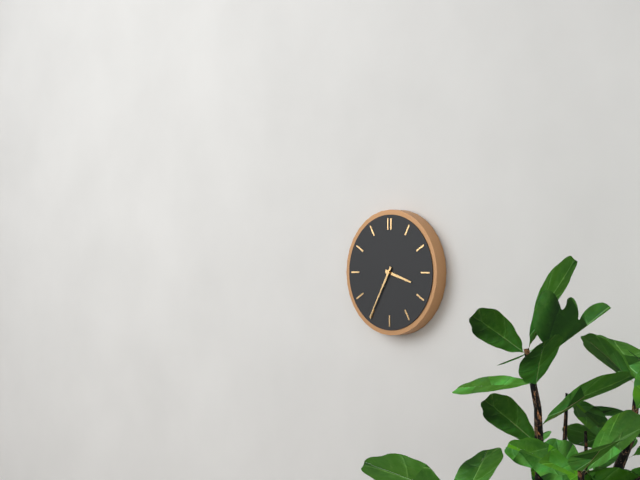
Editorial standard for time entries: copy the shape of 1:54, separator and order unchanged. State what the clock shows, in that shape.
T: 3:35
